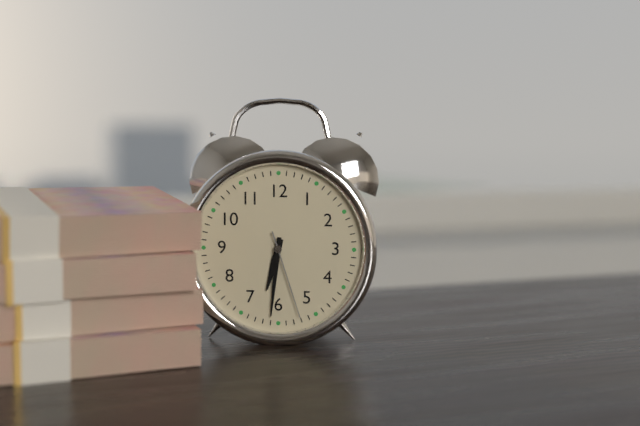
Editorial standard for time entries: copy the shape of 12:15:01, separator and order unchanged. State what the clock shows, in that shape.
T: 6:31:27
